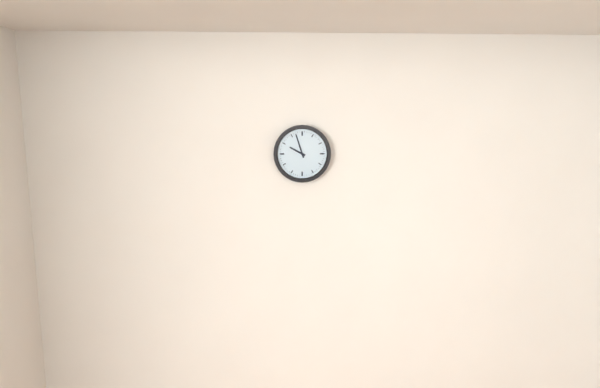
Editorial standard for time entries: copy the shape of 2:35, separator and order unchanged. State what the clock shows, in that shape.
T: 9:57
